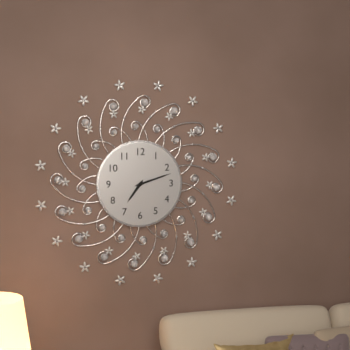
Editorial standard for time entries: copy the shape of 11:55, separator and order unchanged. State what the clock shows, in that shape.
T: 7:12
